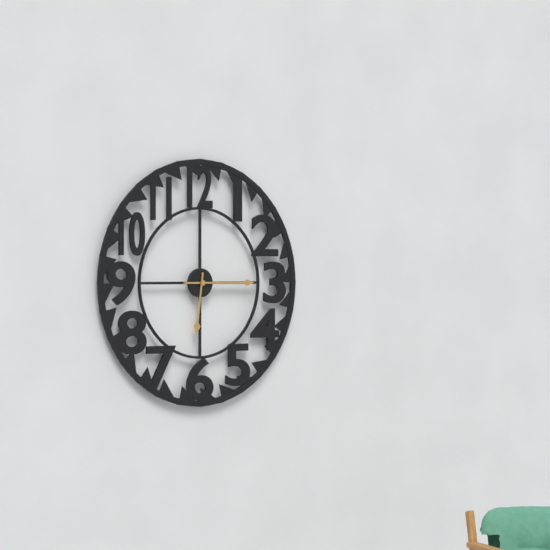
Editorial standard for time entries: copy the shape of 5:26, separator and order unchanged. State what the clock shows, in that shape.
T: 6:15
